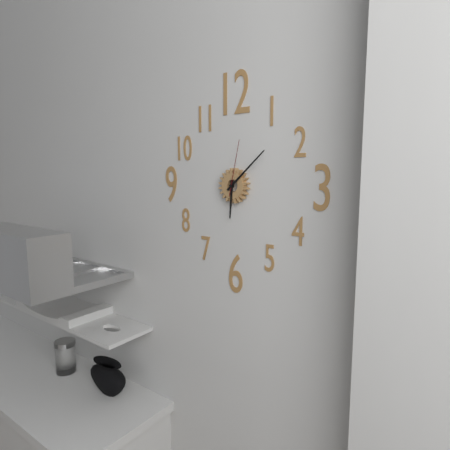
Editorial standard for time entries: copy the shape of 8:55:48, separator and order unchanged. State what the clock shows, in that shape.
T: 6:08:02
